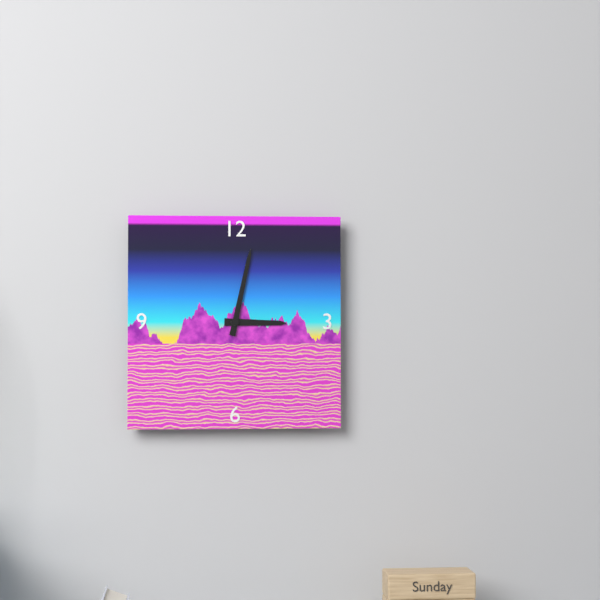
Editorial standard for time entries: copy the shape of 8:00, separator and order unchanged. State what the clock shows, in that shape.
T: 3:02
